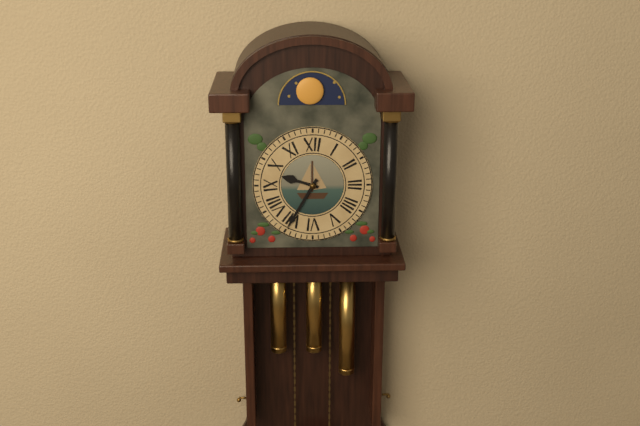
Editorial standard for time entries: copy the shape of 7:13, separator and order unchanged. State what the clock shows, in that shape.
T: 9:35
